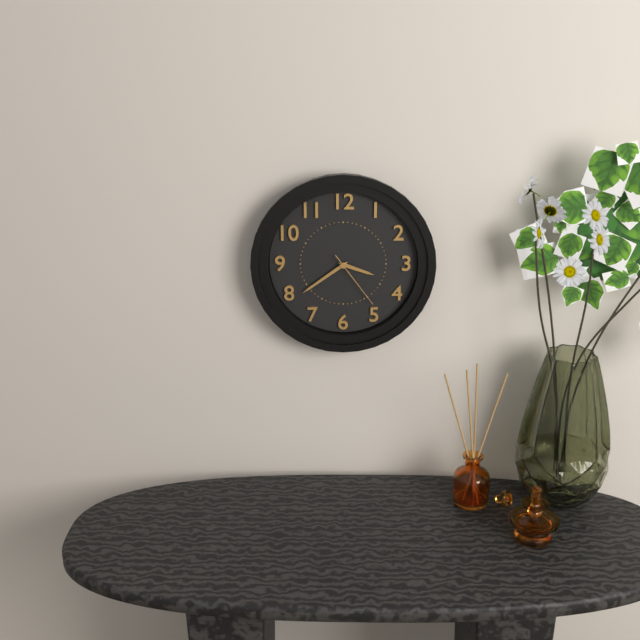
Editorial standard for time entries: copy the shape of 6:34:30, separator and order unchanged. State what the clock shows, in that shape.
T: 3:39:24
